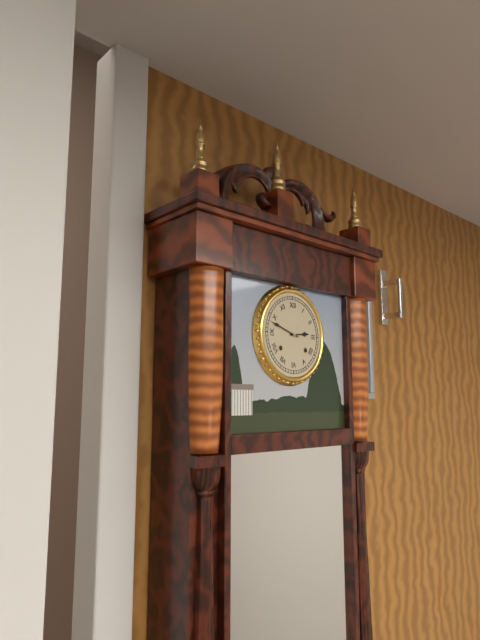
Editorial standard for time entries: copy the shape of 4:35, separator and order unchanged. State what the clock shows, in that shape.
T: 2:48
